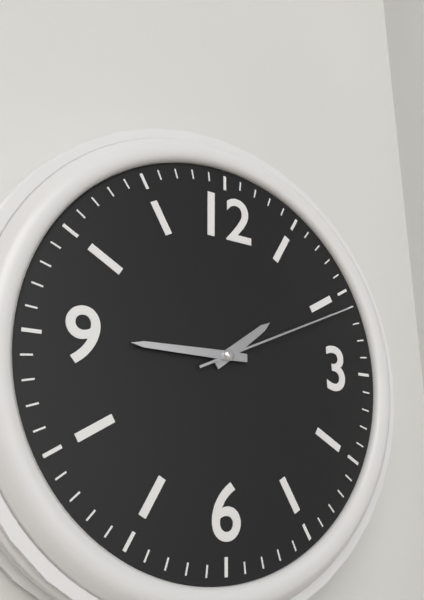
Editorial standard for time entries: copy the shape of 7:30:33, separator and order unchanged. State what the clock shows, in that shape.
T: 1:45:11
